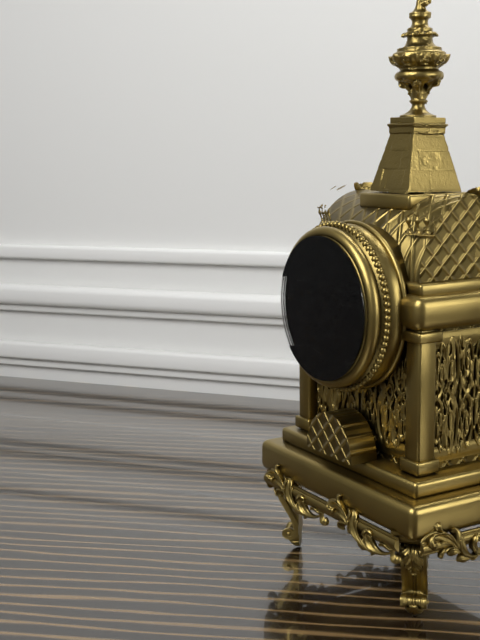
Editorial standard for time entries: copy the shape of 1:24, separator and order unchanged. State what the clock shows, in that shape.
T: 3:36
